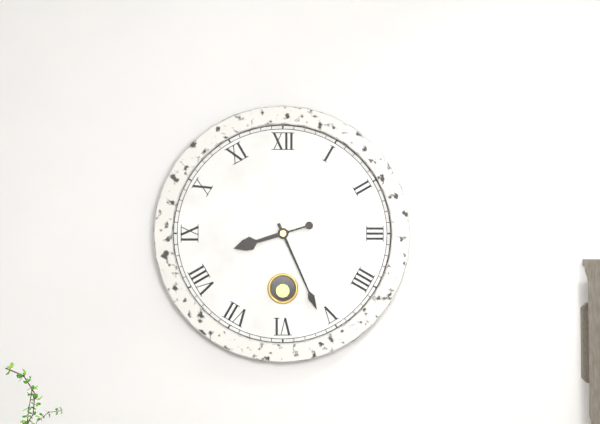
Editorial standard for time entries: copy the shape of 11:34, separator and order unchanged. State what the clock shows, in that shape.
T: 8:26
